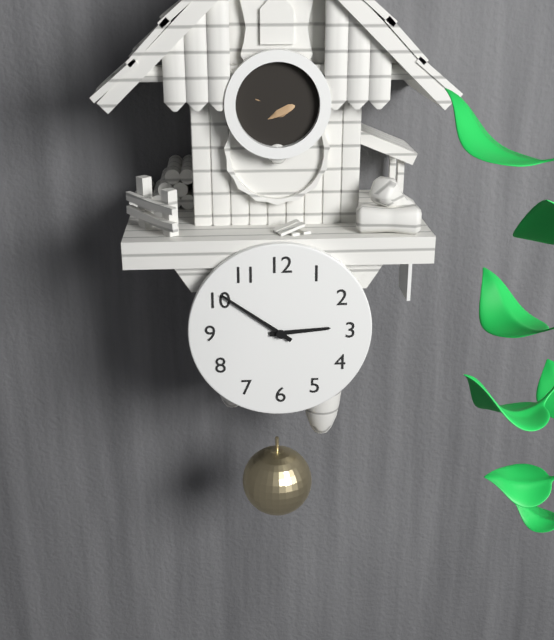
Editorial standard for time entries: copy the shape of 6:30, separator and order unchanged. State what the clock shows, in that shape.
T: 2:51
